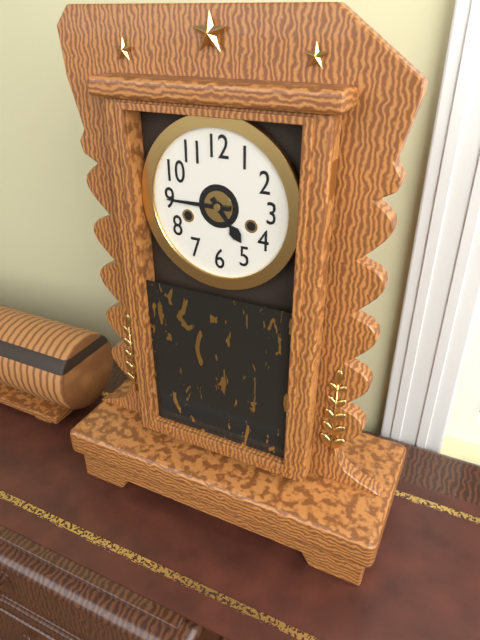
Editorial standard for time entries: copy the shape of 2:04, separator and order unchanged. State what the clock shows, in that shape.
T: 4:45
